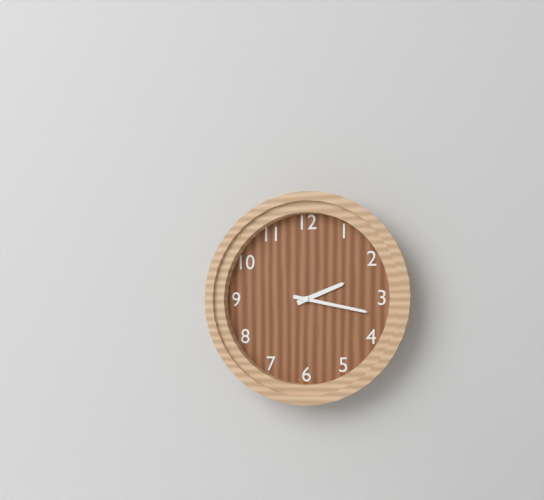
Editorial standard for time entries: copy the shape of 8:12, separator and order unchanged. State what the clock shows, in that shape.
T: 2:17
